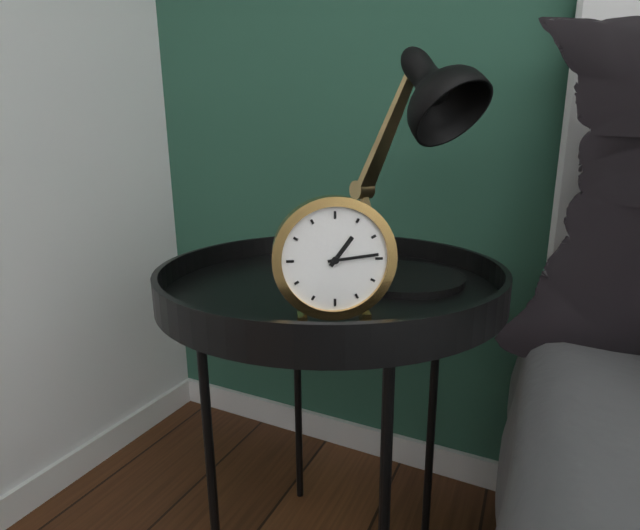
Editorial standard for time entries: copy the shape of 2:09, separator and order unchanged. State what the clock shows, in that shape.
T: 1:14
